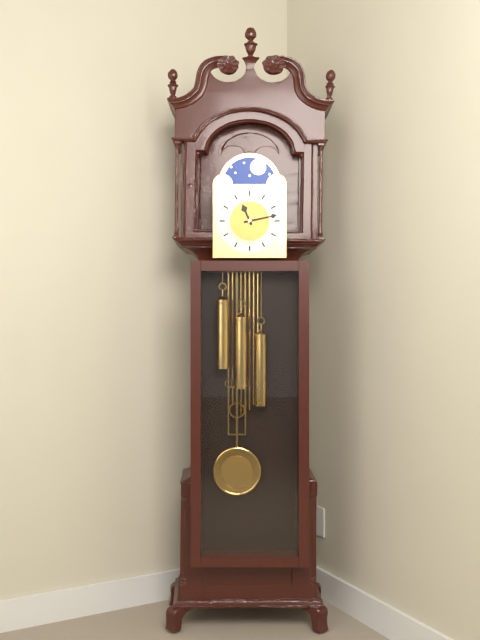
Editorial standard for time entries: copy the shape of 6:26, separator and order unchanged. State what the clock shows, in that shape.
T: 11:13
